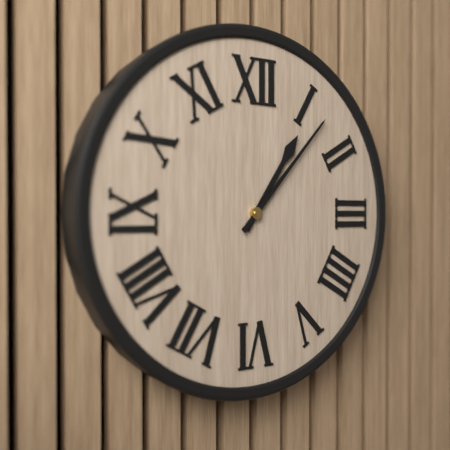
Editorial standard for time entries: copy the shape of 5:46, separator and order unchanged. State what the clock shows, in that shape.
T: 1:07
